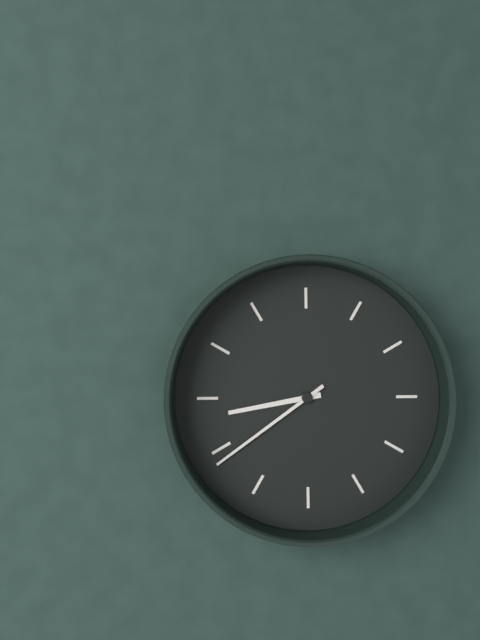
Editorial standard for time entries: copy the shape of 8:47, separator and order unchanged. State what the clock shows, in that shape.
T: 8:39
